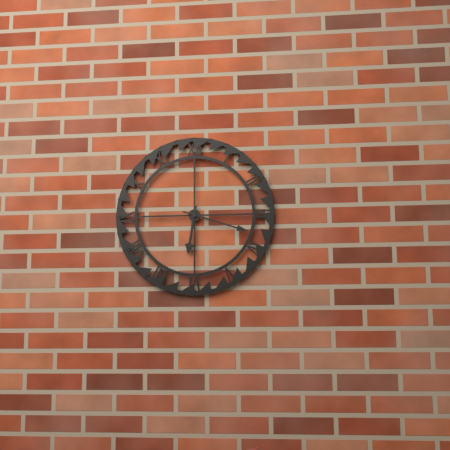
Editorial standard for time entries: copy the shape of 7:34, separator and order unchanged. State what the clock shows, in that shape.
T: 6:18
